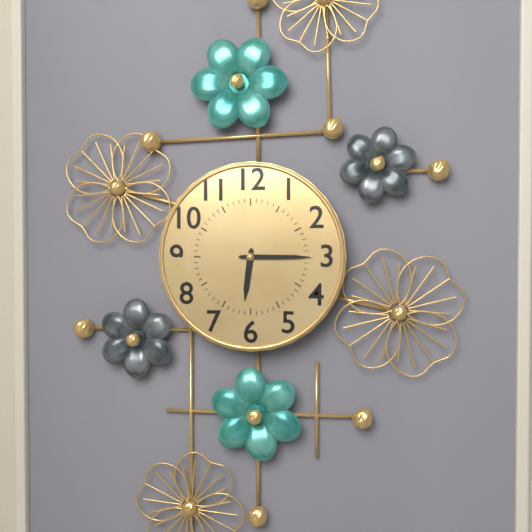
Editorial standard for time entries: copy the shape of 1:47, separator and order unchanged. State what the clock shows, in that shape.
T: 6:15
